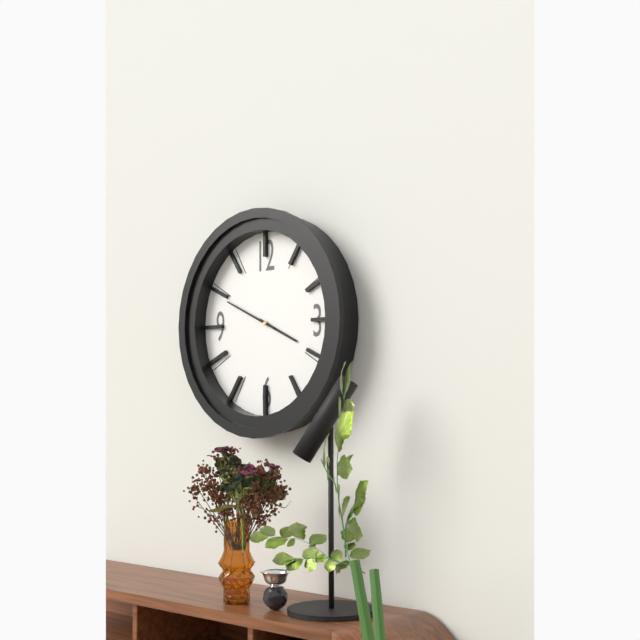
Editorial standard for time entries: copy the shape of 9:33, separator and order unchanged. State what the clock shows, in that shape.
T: 3:49
